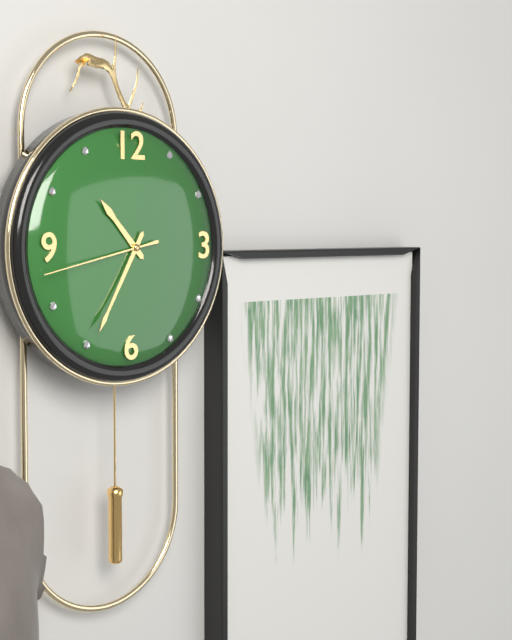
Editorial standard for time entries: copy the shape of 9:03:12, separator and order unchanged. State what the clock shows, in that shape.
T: 10:35:43
